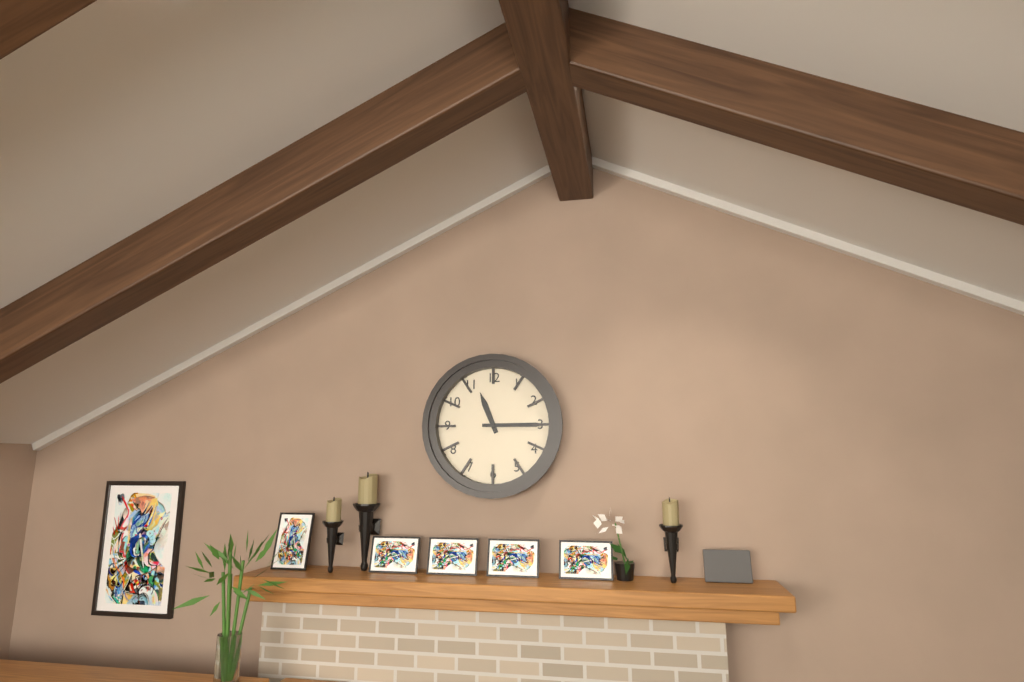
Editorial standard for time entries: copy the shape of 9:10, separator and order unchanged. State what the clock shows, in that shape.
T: 11:15
